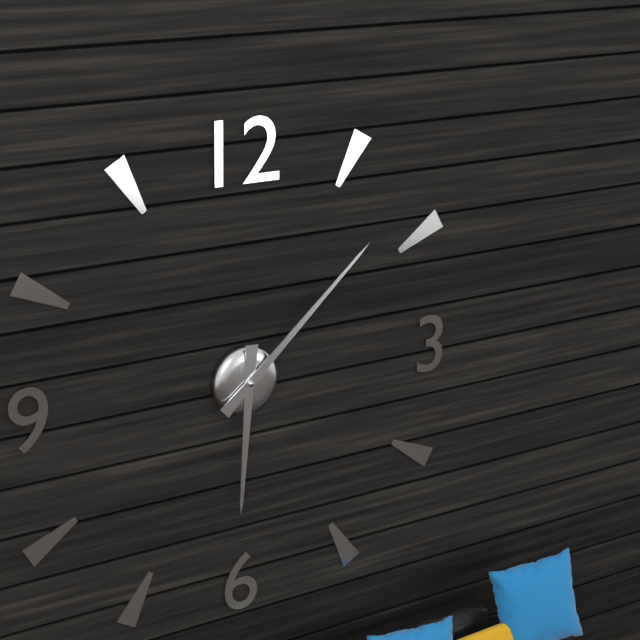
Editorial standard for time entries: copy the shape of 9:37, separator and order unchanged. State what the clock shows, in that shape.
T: 6:08
